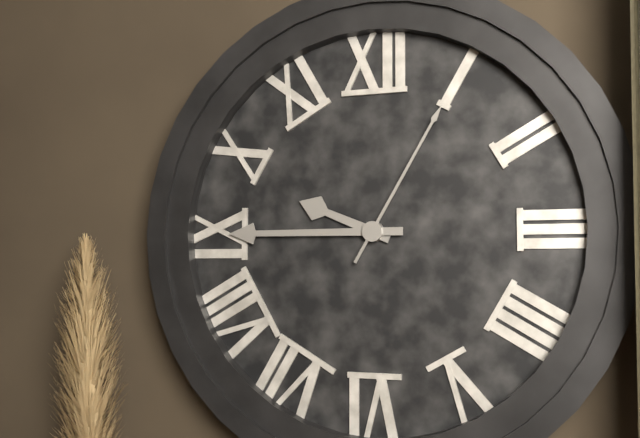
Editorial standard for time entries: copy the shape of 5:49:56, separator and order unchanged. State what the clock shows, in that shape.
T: 9:45:05
